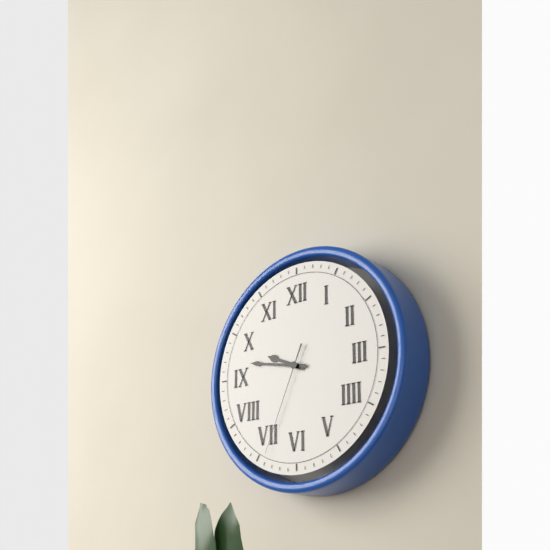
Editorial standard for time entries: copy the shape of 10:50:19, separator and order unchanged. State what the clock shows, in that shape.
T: 9:47:34
